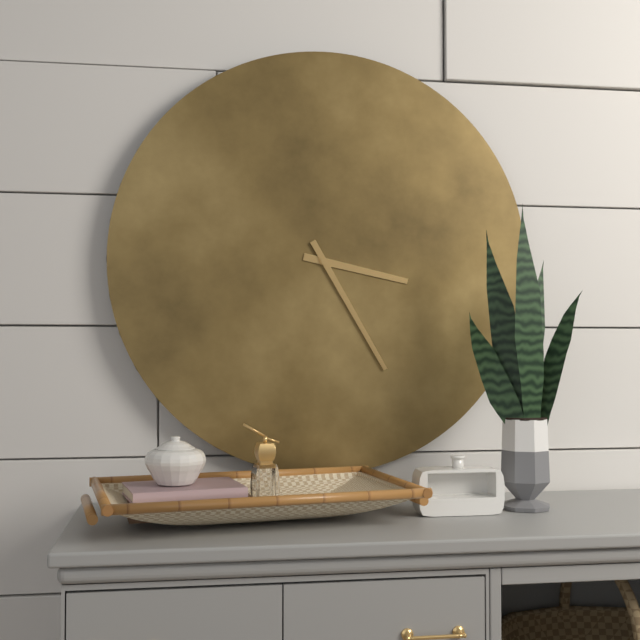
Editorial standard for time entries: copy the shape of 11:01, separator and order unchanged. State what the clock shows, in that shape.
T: 3:25
